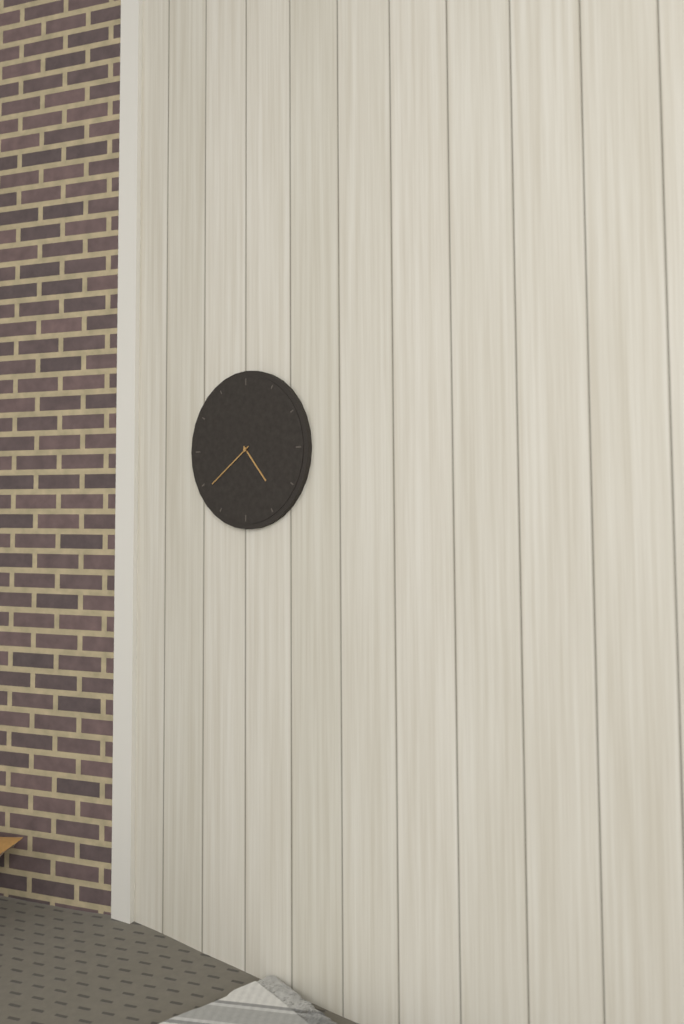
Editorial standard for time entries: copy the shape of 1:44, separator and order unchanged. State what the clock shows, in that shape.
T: 4:39
